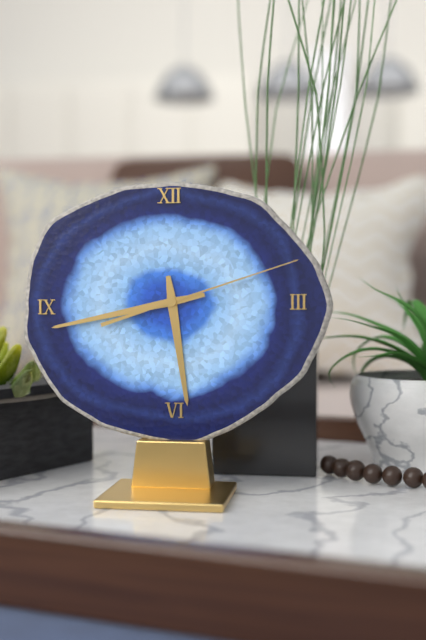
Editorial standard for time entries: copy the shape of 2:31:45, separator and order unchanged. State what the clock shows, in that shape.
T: 5:43:12
